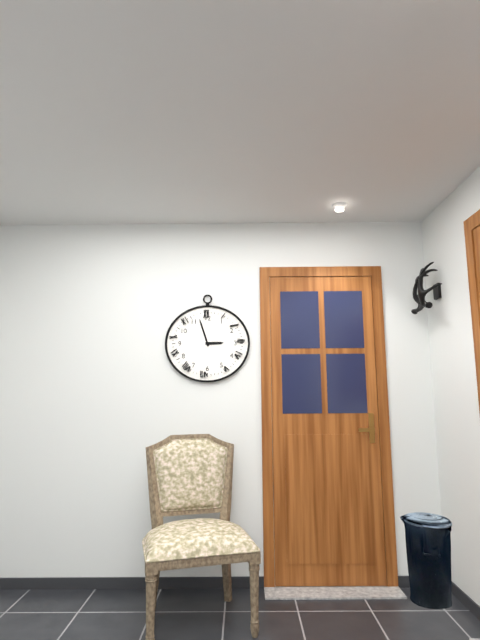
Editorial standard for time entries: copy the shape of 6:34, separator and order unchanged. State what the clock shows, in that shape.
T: 2:57
